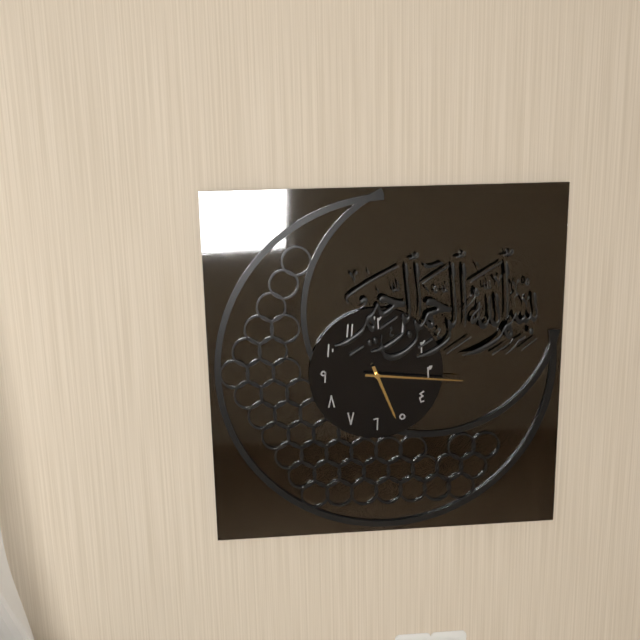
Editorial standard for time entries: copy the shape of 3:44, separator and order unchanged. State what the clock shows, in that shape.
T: 5:16
